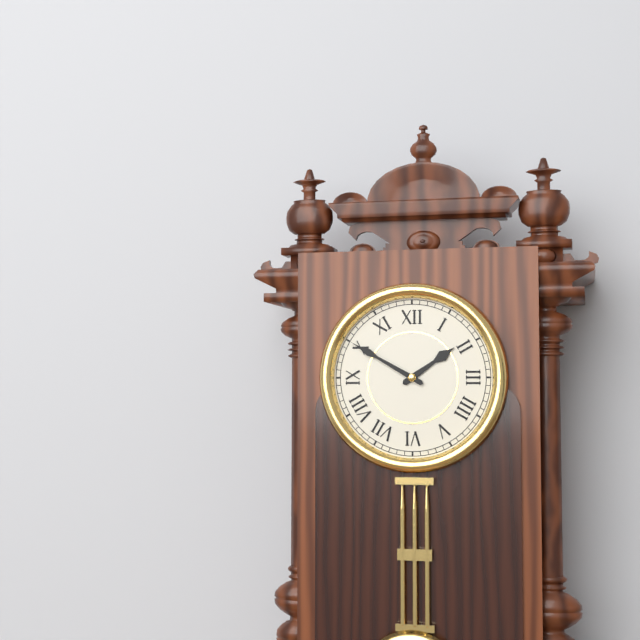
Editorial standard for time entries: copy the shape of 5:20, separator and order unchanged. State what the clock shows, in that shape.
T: 1:50
